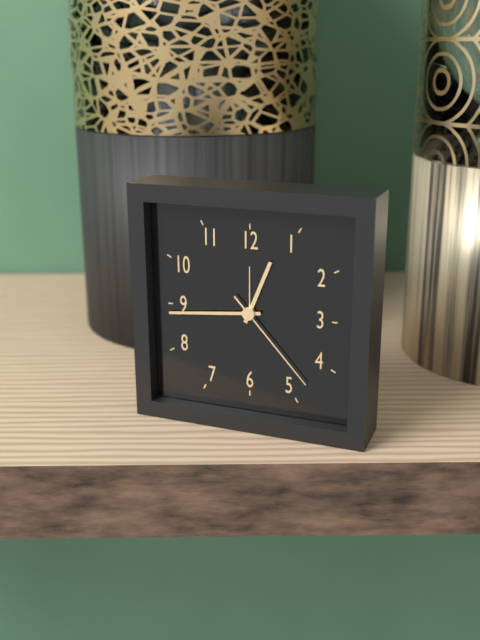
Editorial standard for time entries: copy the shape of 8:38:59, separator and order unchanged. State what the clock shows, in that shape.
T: 12:44:23
